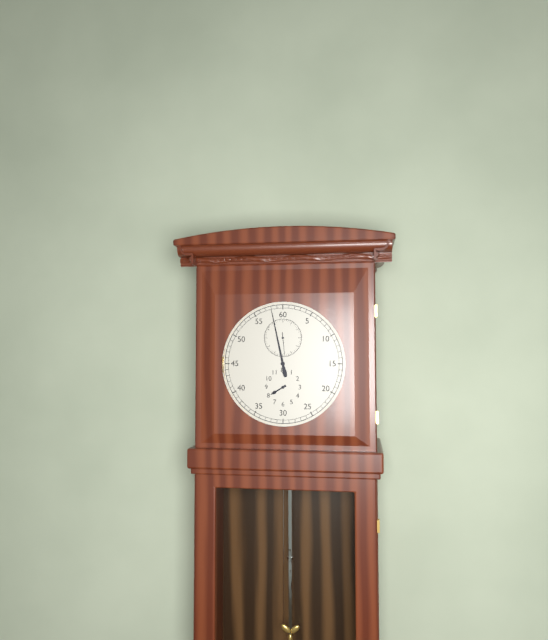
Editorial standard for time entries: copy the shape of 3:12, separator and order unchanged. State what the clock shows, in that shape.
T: 7:58
